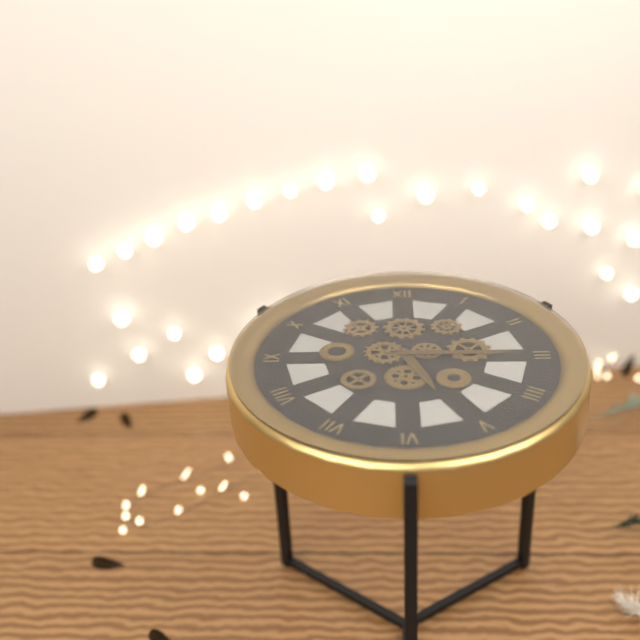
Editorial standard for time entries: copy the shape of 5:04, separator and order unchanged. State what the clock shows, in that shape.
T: 5:15
